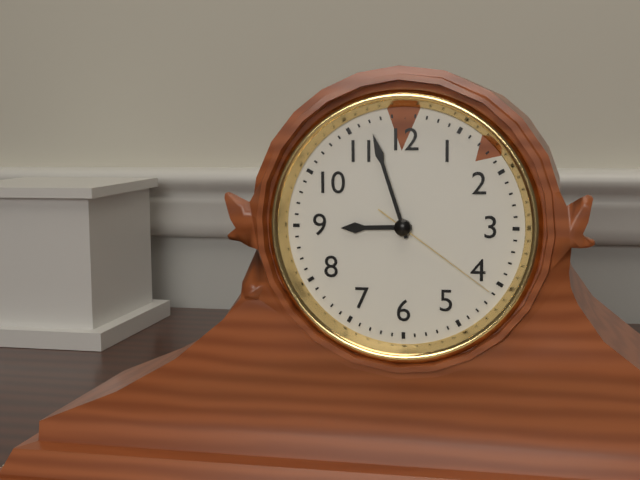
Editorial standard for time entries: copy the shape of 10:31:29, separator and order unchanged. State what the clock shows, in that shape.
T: 8:57:21
